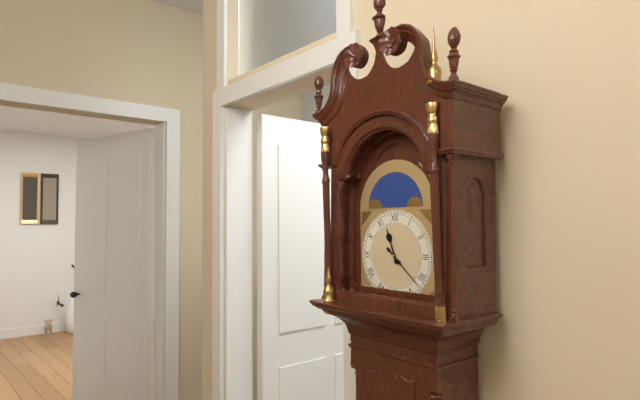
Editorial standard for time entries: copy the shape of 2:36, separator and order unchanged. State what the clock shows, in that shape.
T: 11:22
